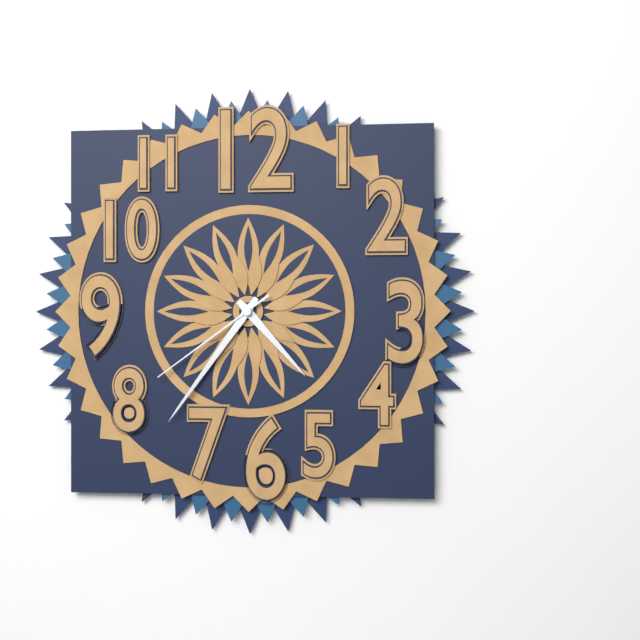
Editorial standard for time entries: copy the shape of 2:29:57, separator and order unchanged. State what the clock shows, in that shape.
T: 4:36:39
